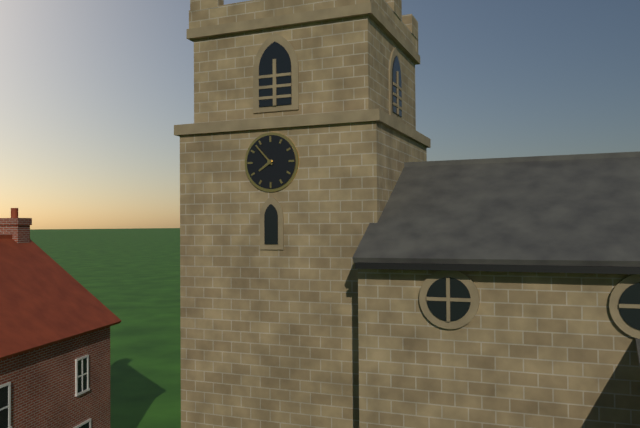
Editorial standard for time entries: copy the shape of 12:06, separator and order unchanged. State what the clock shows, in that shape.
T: 7:53
